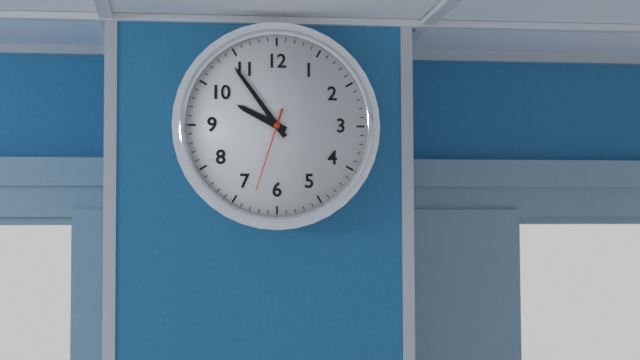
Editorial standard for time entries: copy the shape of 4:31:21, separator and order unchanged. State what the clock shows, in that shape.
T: 9:54:33
